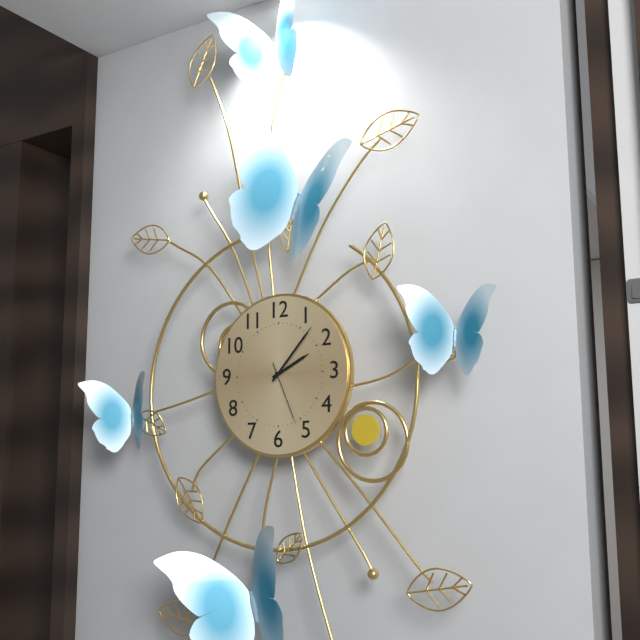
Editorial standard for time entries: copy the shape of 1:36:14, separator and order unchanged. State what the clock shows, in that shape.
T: 2:07:26
